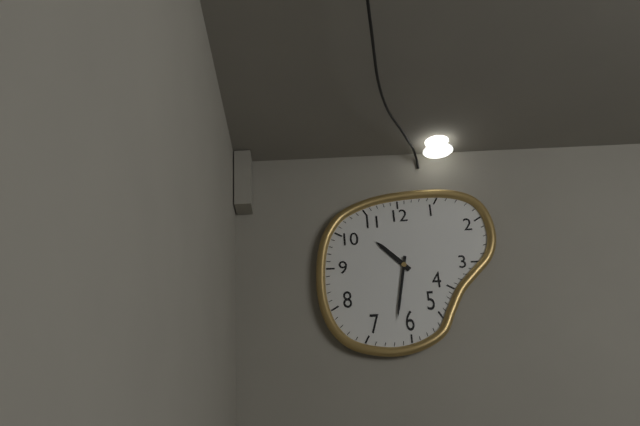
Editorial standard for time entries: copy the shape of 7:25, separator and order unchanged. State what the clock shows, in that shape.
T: 10:32
